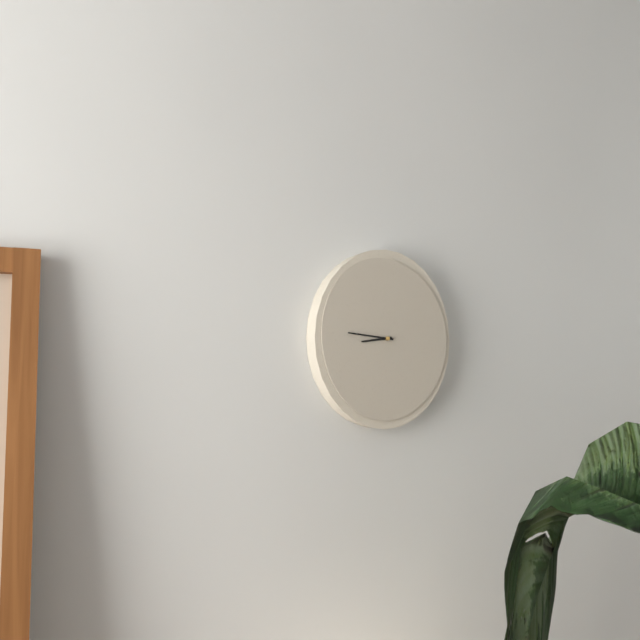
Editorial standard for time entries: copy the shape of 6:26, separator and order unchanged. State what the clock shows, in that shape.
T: 8:46
